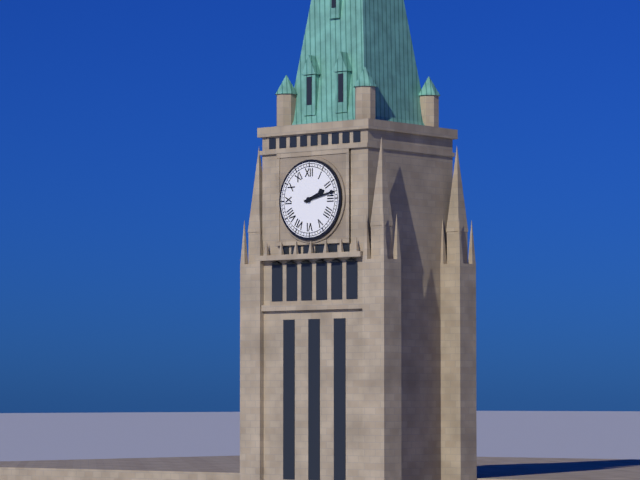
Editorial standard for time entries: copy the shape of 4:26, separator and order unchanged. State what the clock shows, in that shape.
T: 2:13
